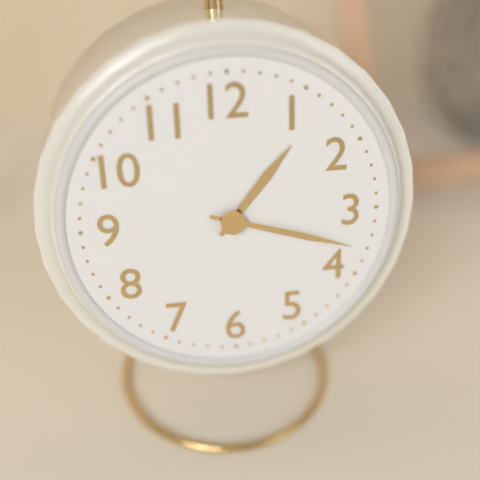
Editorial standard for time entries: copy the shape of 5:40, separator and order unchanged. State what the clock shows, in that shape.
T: 1:18
